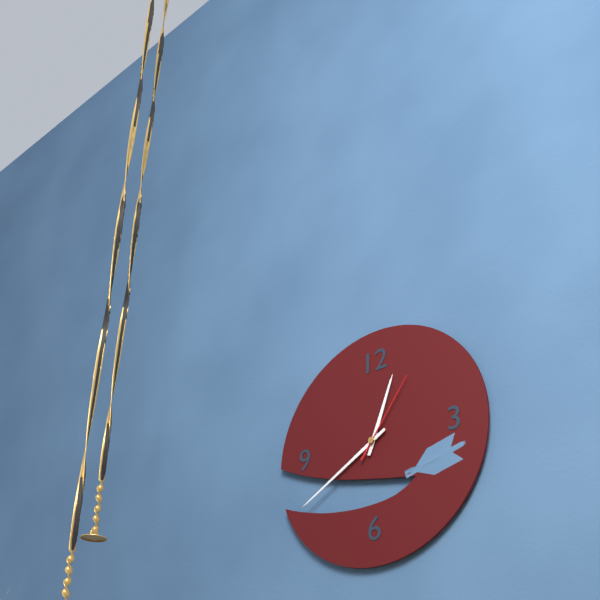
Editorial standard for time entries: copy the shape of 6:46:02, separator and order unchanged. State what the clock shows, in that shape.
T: 12:40:06
